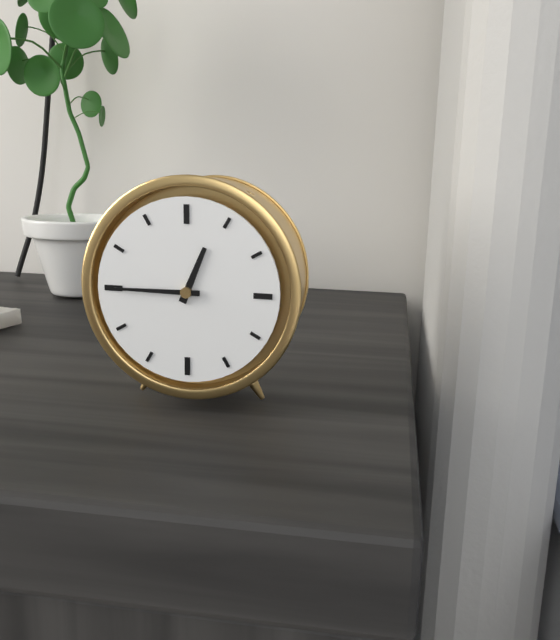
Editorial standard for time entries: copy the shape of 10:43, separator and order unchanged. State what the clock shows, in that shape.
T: 12:45
